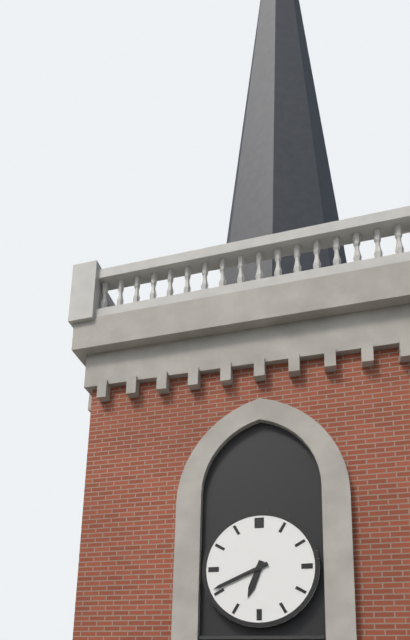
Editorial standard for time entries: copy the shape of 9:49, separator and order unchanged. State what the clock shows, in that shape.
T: 6:41
